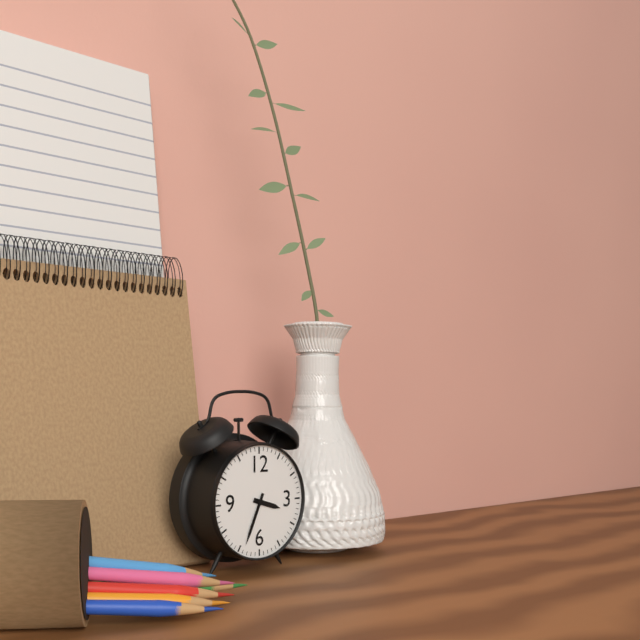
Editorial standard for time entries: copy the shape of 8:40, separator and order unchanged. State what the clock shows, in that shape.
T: 3:34
